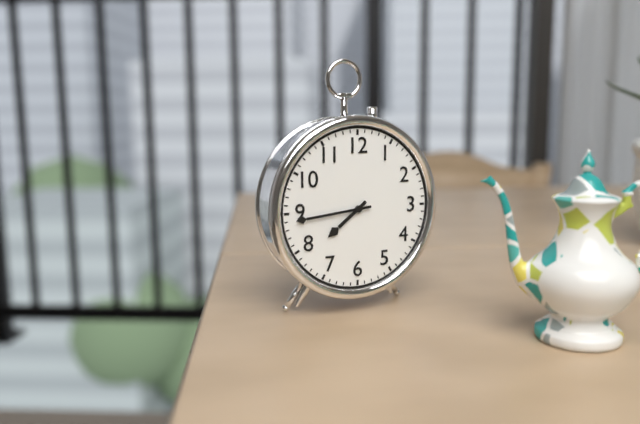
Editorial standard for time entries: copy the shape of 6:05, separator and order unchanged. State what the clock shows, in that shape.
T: 7:44
